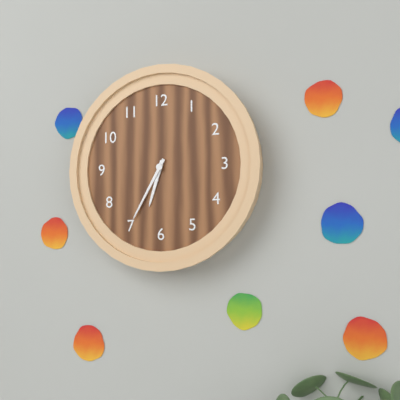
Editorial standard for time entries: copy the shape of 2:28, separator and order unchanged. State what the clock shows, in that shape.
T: 6:35
